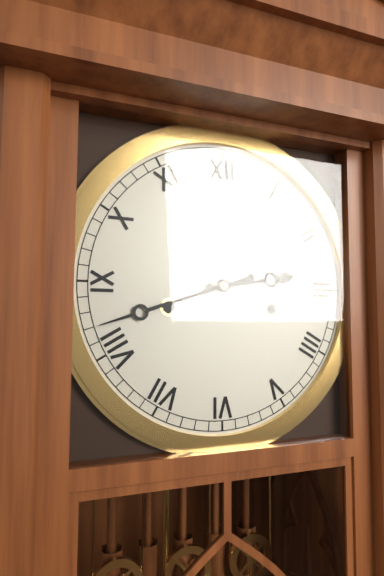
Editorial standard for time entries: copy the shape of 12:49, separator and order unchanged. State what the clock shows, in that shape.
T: 2:42
